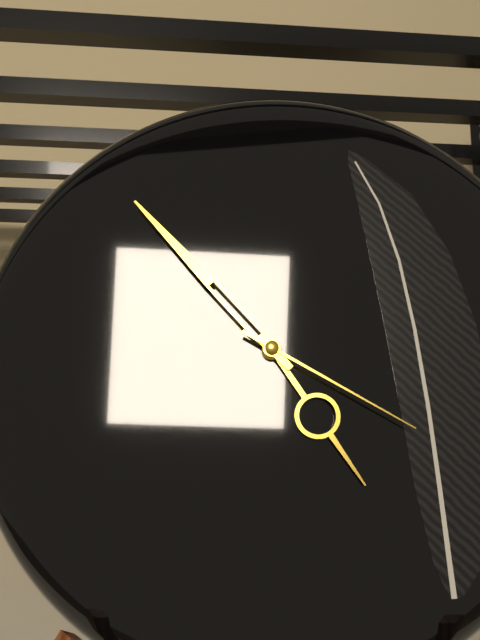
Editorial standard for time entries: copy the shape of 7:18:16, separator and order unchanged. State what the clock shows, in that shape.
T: 4:53:20
